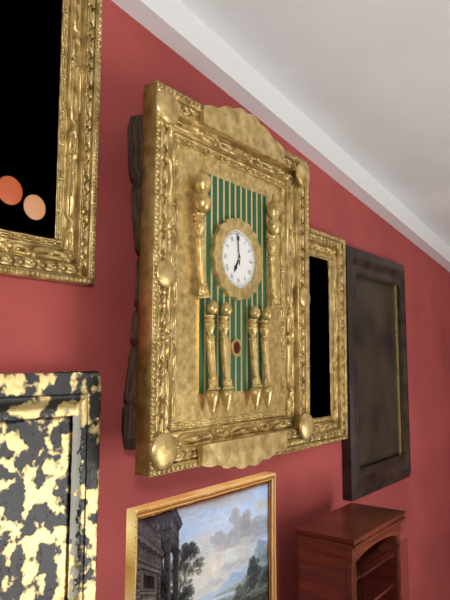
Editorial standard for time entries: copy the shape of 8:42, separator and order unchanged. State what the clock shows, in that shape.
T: 6:59
